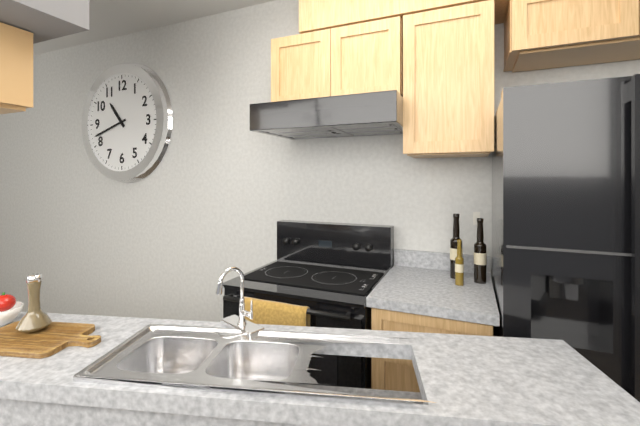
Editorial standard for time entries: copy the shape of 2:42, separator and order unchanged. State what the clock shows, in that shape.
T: 10:42
